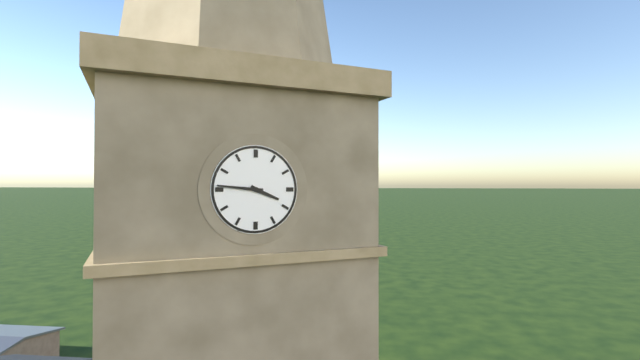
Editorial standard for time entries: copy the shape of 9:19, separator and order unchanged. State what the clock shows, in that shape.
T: 3:46
